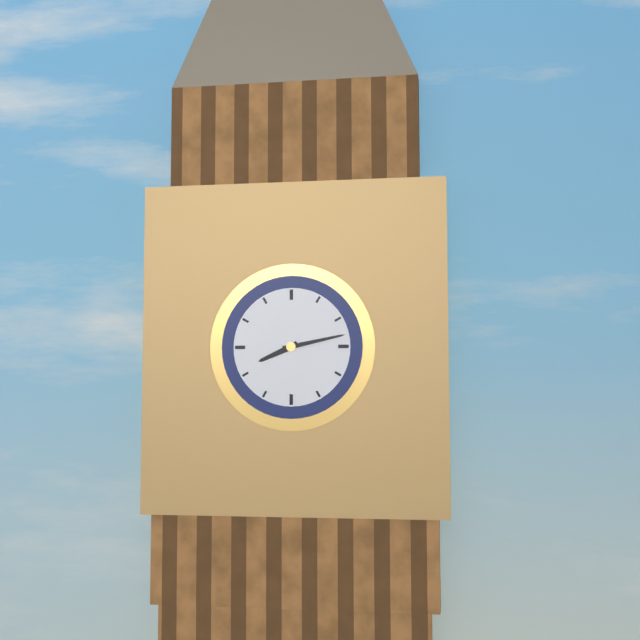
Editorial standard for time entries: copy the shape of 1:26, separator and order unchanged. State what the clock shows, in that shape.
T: 8:13
